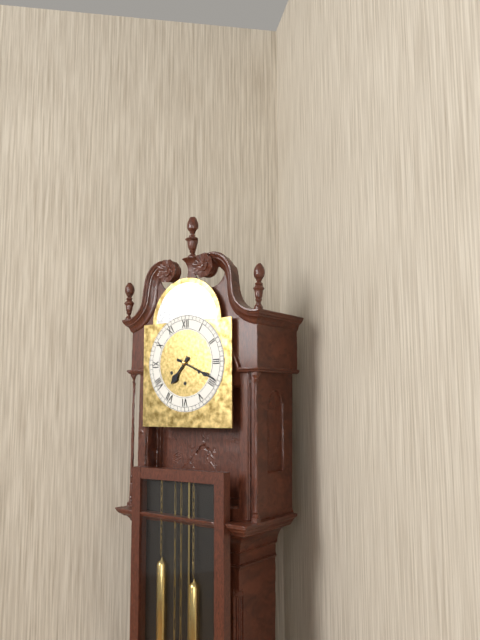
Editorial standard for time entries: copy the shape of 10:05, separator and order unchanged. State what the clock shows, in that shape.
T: 7:19
